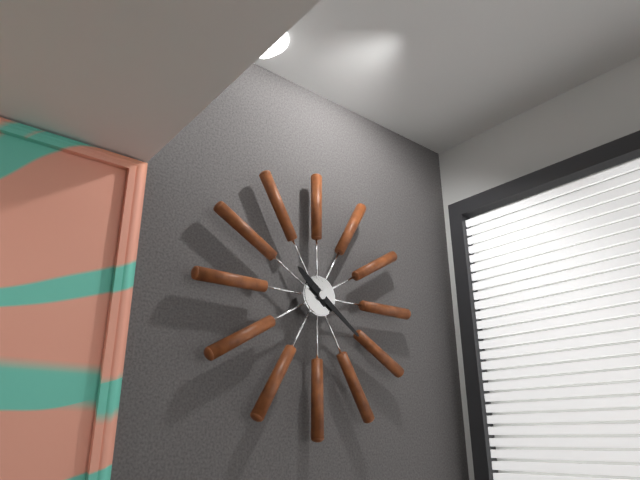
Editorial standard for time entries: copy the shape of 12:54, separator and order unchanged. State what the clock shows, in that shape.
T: 10:21
